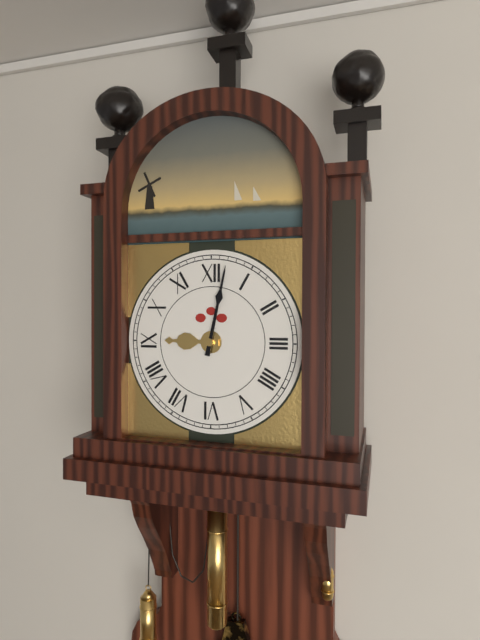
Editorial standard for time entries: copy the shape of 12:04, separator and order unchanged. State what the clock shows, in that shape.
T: 9:02
